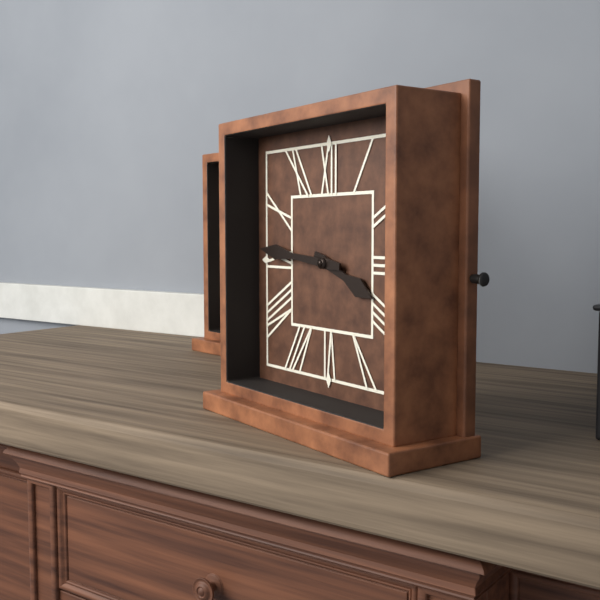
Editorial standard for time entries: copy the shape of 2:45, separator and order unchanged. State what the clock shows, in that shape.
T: 3:46
